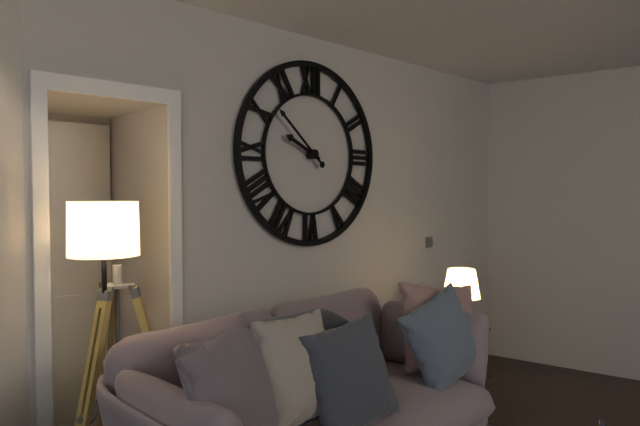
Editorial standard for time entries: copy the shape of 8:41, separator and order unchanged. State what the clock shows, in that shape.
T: 9:52
